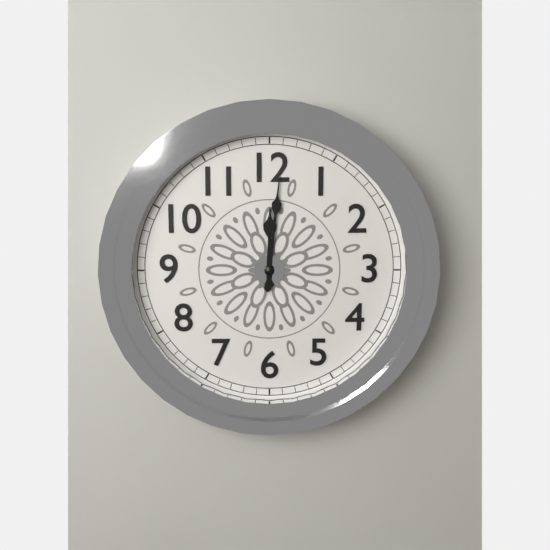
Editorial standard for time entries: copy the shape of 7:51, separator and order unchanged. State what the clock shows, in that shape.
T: 12:01
